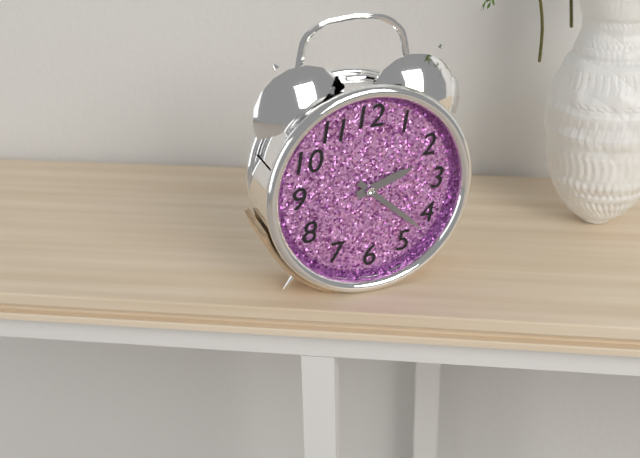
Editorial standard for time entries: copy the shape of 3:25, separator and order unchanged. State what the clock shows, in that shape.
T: 2:22
